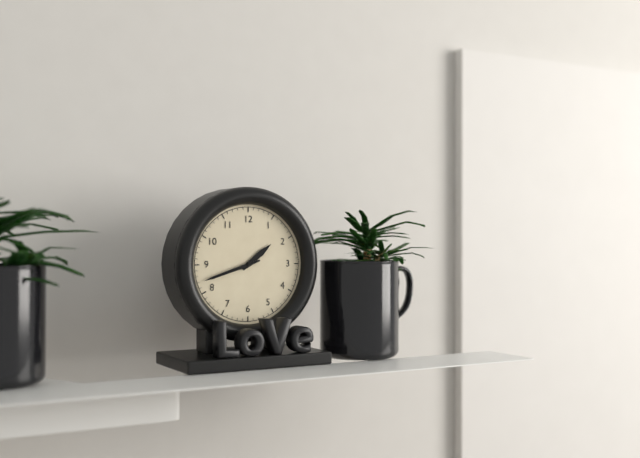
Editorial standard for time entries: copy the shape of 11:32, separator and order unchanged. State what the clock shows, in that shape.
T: 1:42
